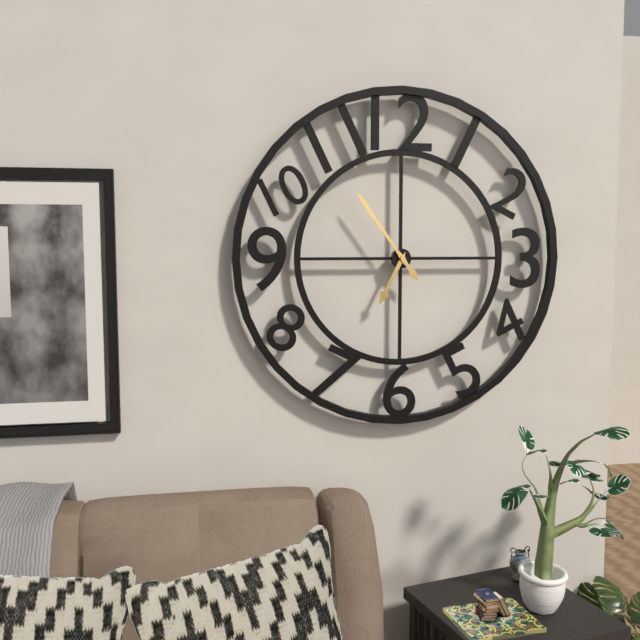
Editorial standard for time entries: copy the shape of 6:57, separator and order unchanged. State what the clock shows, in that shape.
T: 6:54
